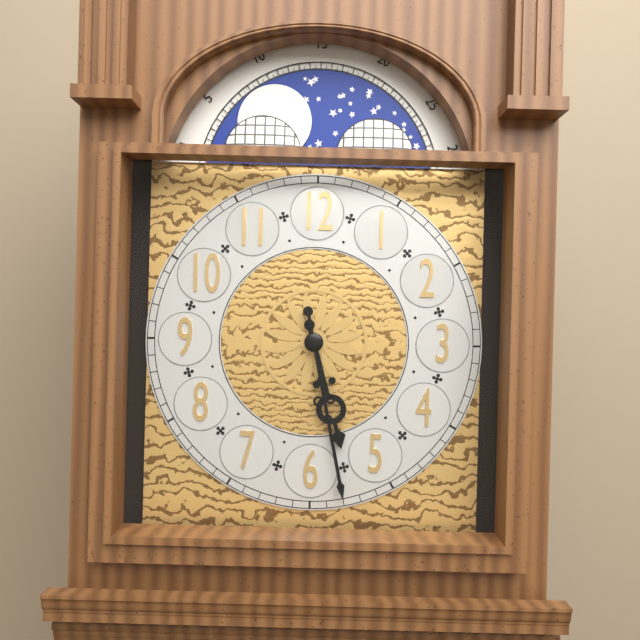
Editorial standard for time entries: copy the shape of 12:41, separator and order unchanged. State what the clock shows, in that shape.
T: 5:28
